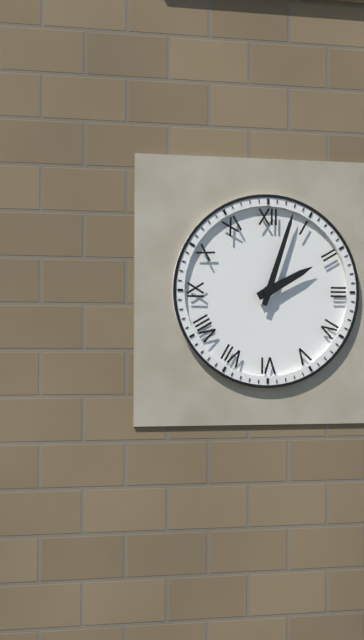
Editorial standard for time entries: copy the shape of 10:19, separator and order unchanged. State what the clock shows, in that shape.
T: 2:03
